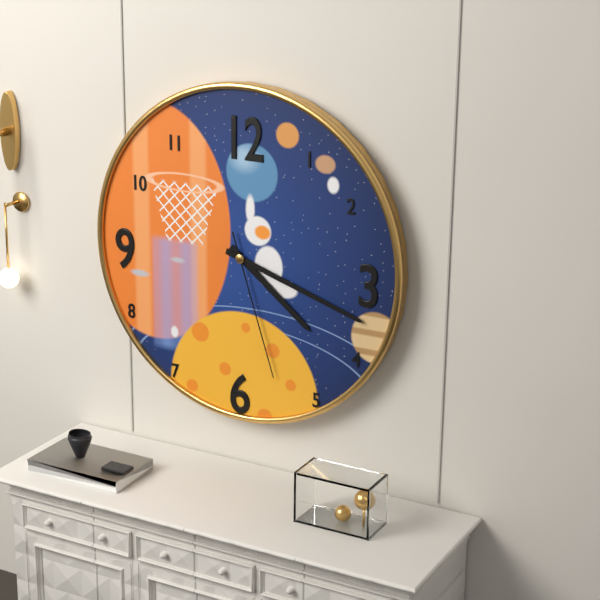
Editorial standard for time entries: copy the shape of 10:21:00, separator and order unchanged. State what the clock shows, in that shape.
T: 4:18:27
